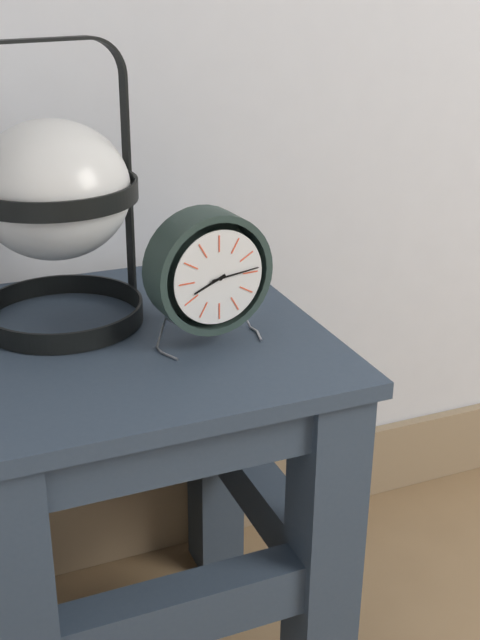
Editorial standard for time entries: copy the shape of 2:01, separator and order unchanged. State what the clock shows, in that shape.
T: 8:14
